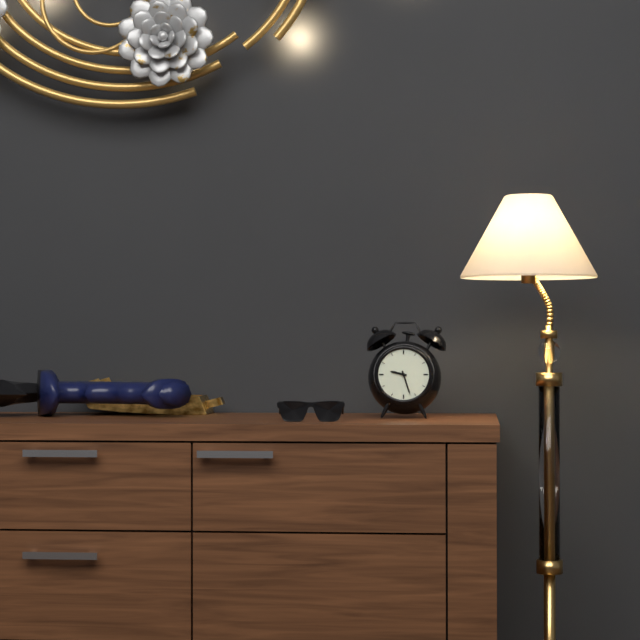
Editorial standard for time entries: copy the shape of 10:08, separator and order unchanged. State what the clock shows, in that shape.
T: 9:27
